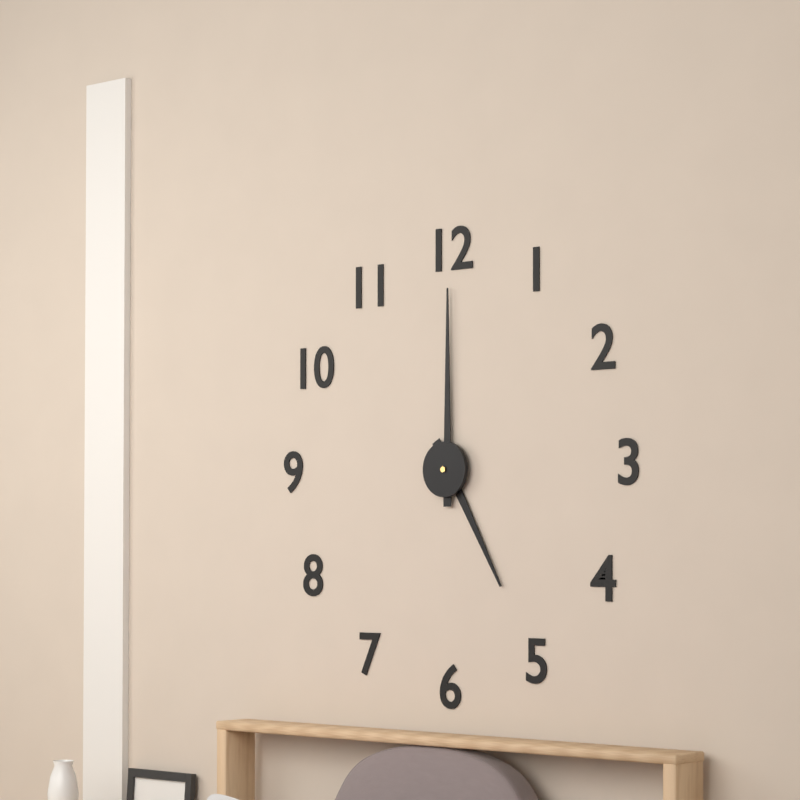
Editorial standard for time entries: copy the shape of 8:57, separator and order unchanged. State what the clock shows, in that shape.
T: 5:00
